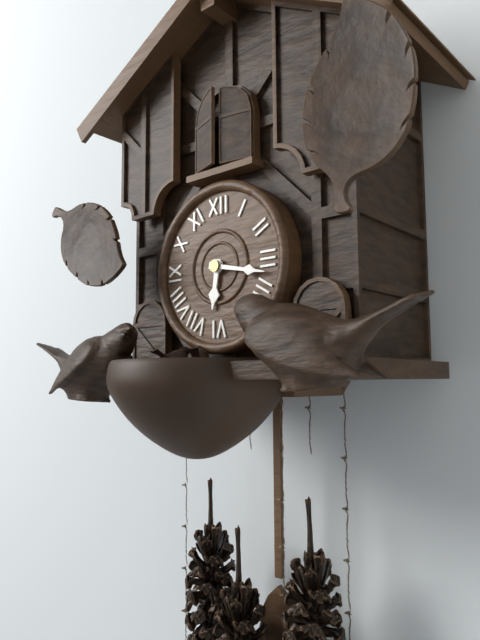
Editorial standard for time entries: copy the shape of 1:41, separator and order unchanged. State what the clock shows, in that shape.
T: 6:17
